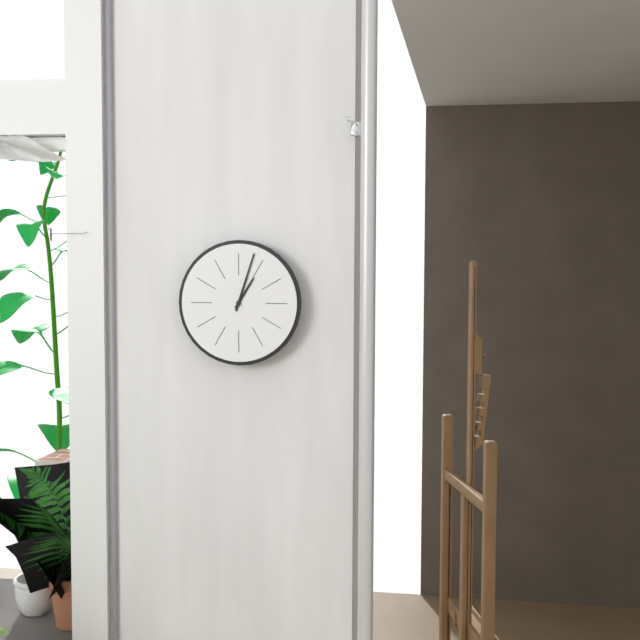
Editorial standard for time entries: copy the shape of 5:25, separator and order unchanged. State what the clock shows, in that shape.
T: 1:03
